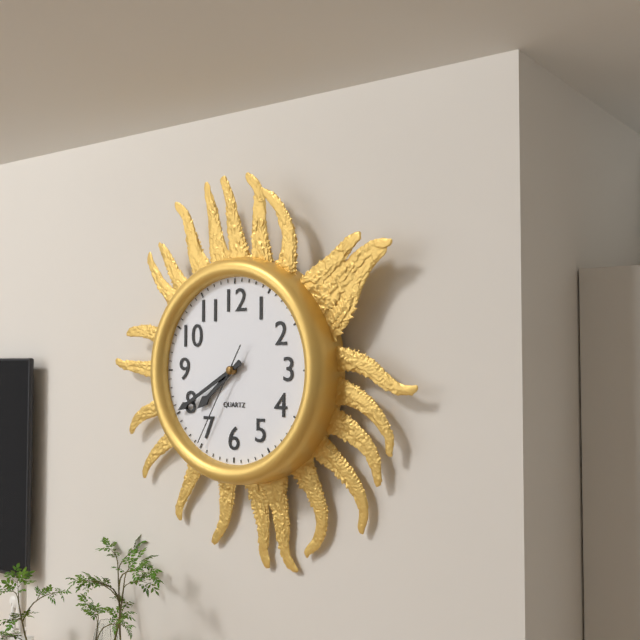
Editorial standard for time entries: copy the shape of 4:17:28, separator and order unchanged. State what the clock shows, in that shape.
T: 7:40:35
